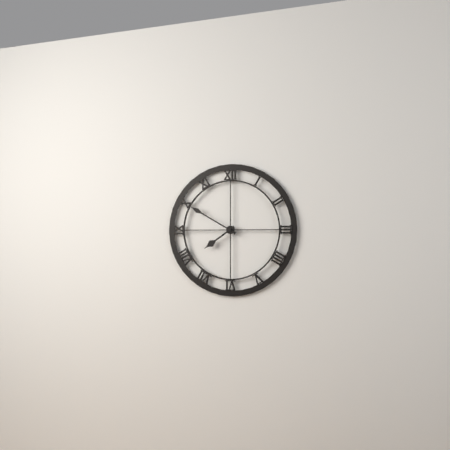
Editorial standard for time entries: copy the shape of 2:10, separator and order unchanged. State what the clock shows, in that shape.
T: 7:50
